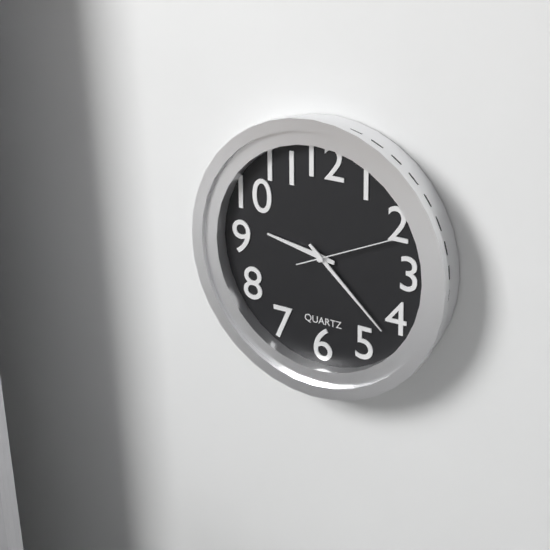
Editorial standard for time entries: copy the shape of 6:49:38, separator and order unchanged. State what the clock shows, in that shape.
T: 9:22:11
